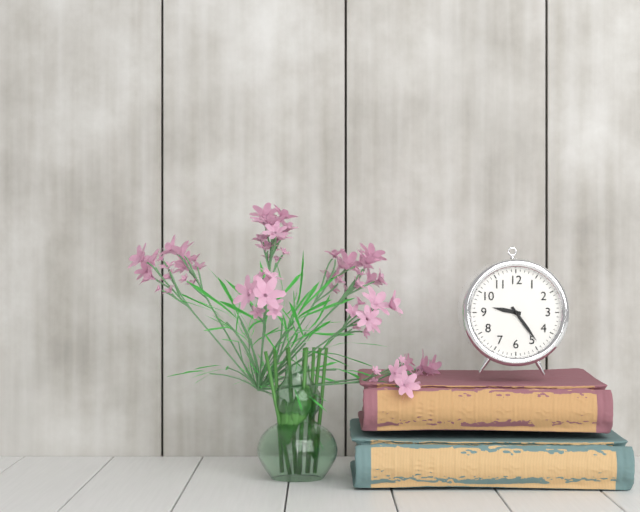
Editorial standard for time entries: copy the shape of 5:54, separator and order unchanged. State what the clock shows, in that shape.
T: 9:24
